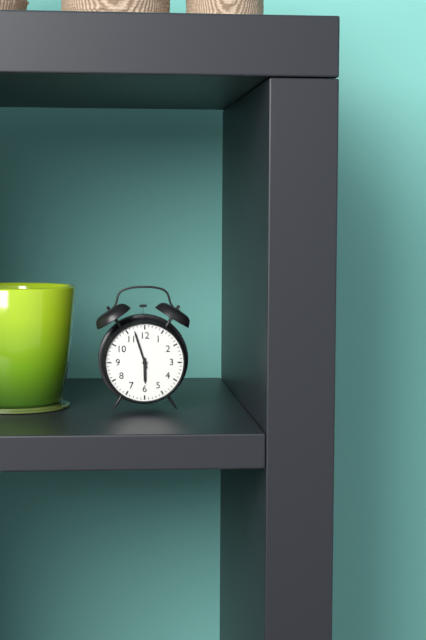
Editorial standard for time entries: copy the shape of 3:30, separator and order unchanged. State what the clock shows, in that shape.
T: 5:57
